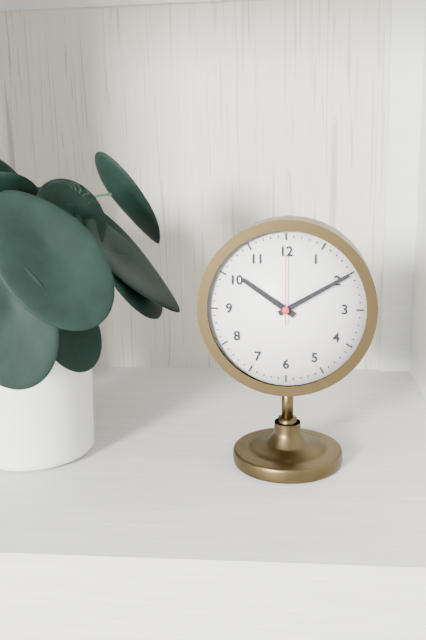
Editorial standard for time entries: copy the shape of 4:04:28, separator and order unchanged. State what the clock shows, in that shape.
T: 10:10:00
